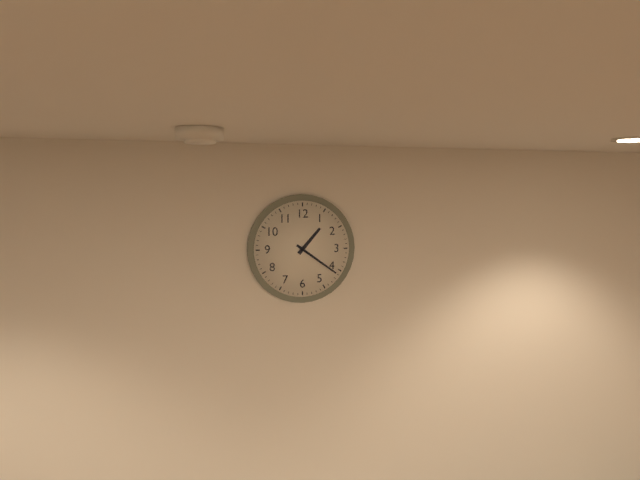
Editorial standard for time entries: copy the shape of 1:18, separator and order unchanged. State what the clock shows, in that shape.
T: 1:21
